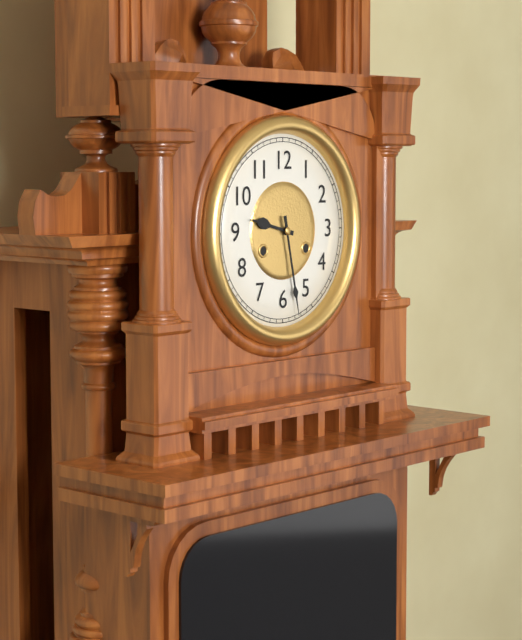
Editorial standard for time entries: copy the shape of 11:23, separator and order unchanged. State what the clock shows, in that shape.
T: 9:28
